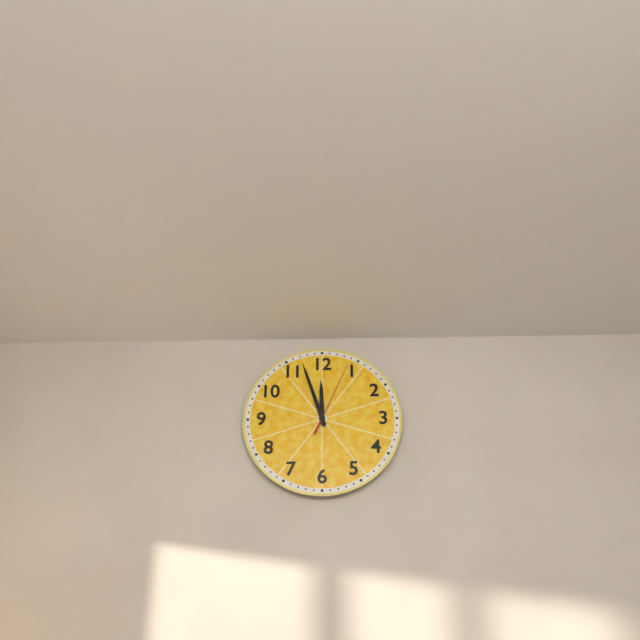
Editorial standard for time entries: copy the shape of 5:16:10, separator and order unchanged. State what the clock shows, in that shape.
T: 11:57:04
